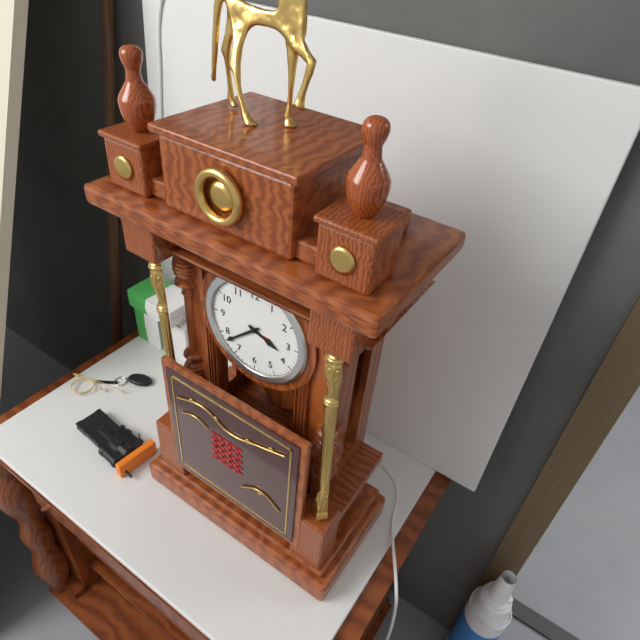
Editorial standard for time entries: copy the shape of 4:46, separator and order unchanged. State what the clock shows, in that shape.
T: 3:38
